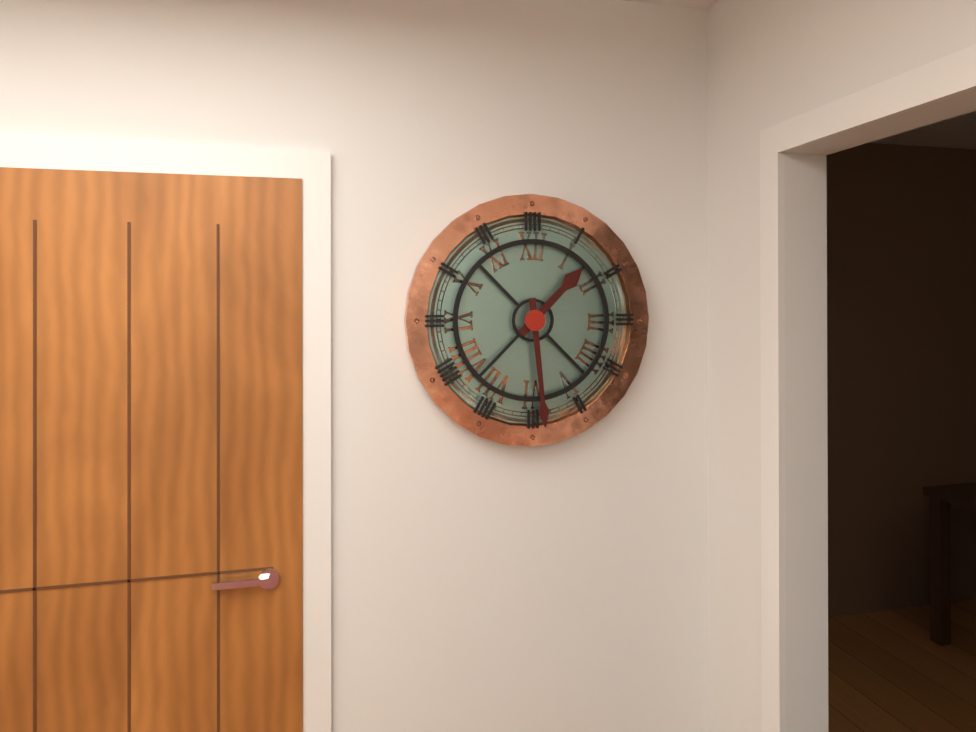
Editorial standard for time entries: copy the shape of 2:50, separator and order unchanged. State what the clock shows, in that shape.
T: 1:29
